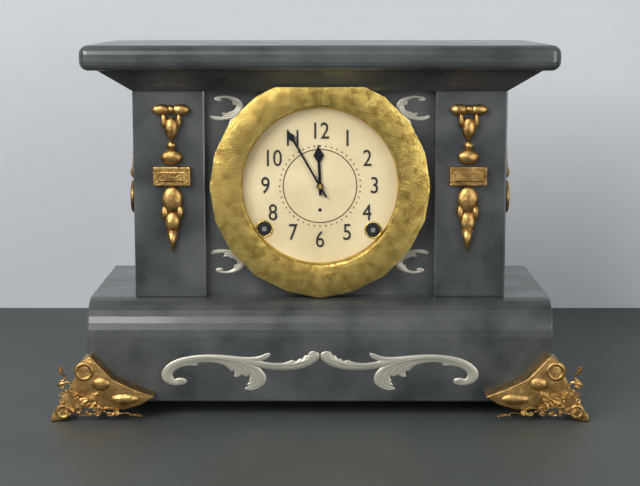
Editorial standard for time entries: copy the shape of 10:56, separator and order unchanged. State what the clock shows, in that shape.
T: 11:55
